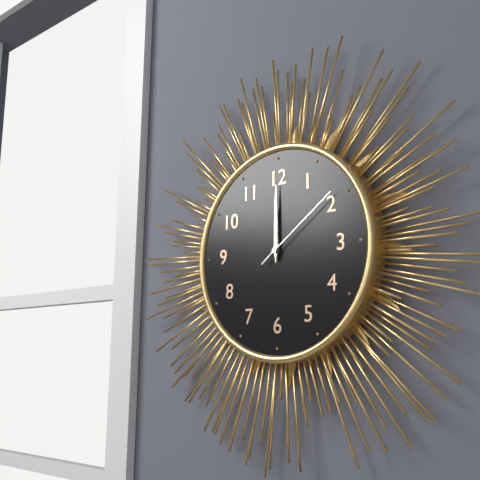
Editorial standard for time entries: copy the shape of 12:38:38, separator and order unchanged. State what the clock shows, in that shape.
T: 12:00:09
